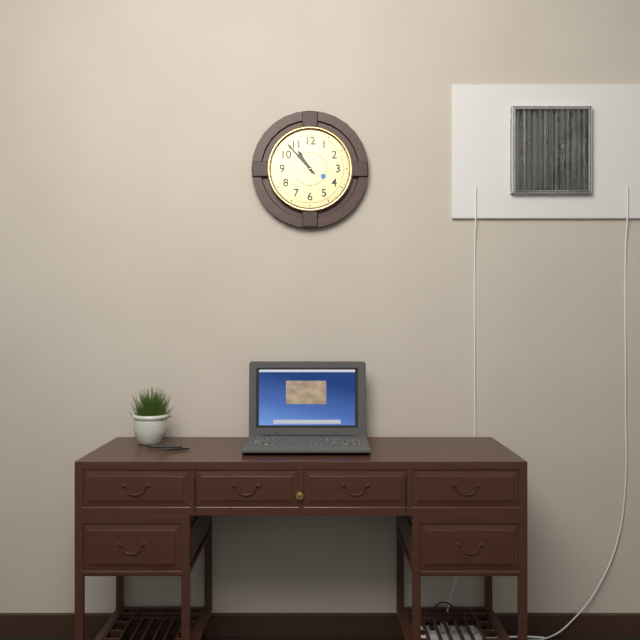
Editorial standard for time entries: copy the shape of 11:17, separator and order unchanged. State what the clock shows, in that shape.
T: 10:53
